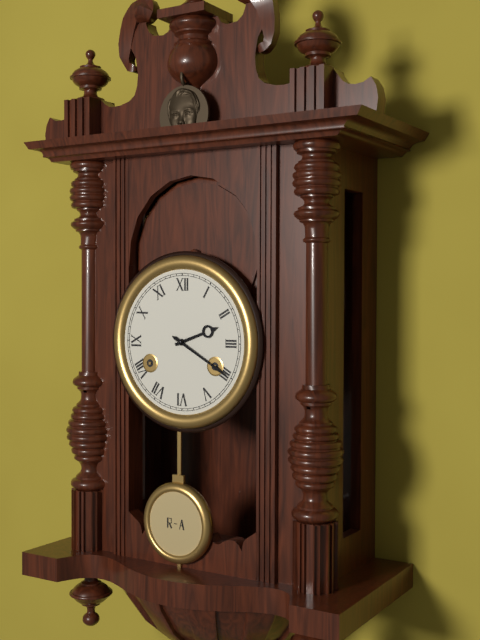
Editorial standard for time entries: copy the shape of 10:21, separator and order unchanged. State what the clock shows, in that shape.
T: 2:20
